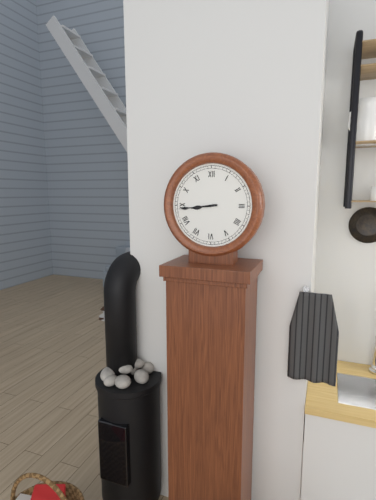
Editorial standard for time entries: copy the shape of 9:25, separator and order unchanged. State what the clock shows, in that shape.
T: 8:44
